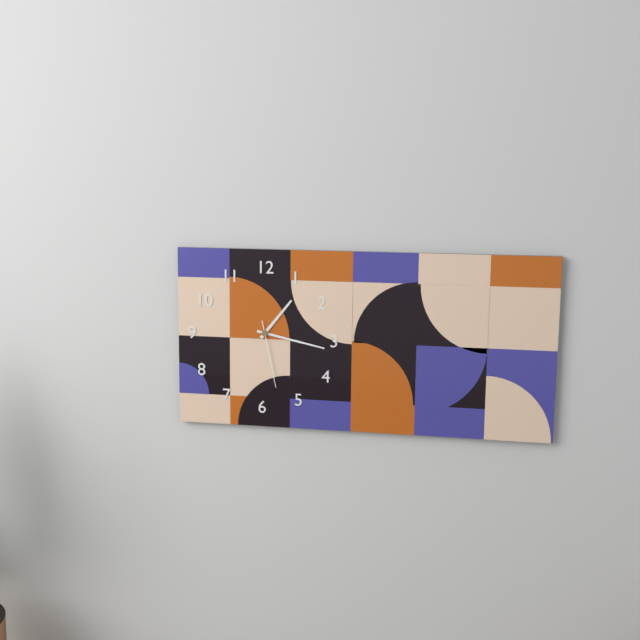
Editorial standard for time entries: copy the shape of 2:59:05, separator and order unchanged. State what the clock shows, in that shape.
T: 1:17:28
